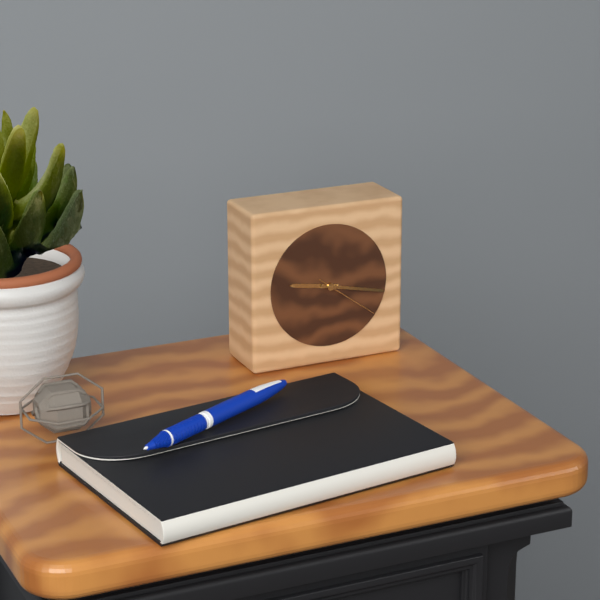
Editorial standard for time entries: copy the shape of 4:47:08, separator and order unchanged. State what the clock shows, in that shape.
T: 9:17:21
